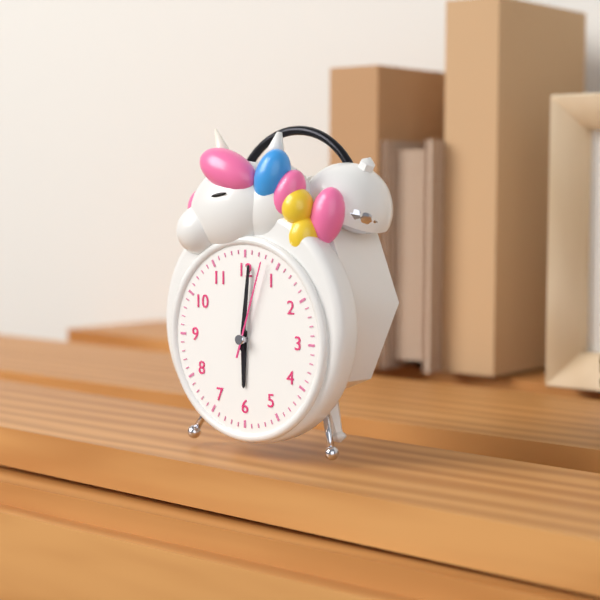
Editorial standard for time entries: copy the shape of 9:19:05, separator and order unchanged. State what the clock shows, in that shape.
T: 6:01:03
